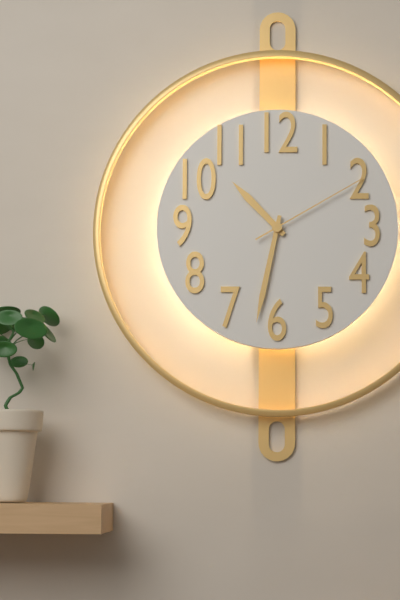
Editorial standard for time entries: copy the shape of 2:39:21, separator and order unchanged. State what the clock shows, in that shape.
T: 10:32:10
